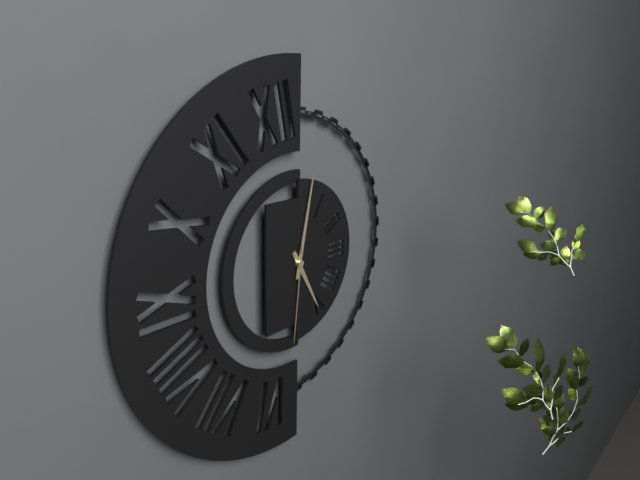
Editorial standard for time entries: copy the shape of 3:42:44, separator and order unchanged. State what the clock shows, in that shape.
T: 5:02:31
